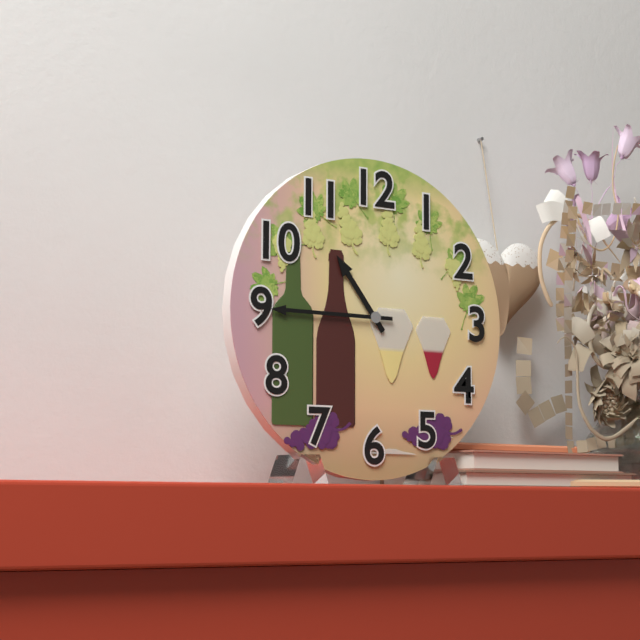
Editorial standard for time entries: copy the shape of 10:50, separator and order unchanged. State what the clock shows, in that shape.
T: 10:45
